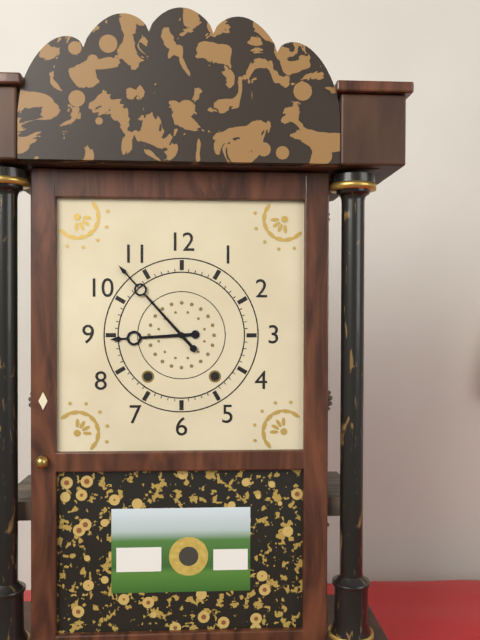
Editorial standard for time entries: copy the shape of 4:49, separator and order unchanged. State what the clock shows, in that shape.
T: 8:53
